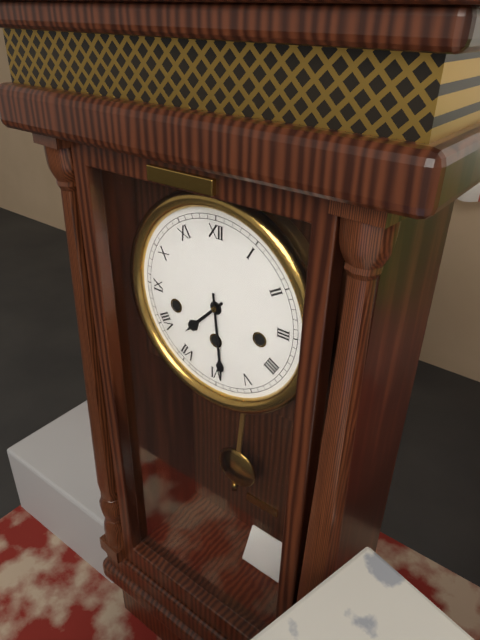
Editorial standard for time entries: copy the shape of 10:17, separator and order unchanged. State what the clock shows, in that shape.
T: 7:29
